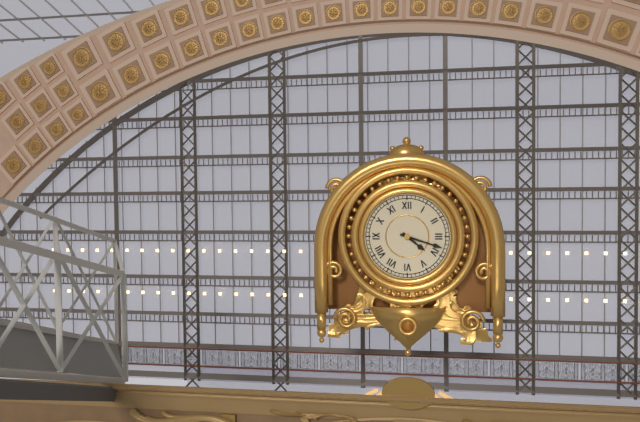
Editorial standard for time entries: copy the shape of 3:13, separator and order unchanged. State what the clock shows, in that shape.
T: 4:18
